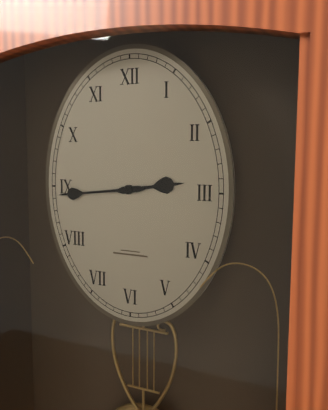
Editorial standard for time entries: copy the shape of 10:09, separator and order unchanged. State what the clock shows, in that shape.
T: 2:44
